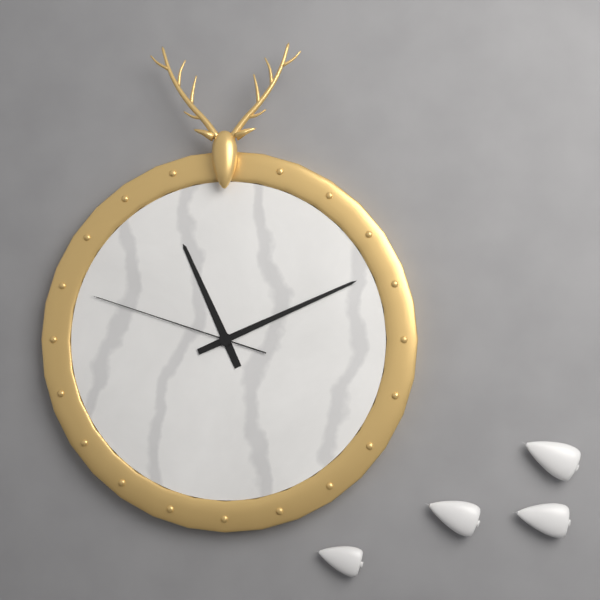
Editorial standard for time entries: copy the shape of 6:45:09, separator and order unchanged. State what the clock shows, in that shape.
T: 11:11:48
